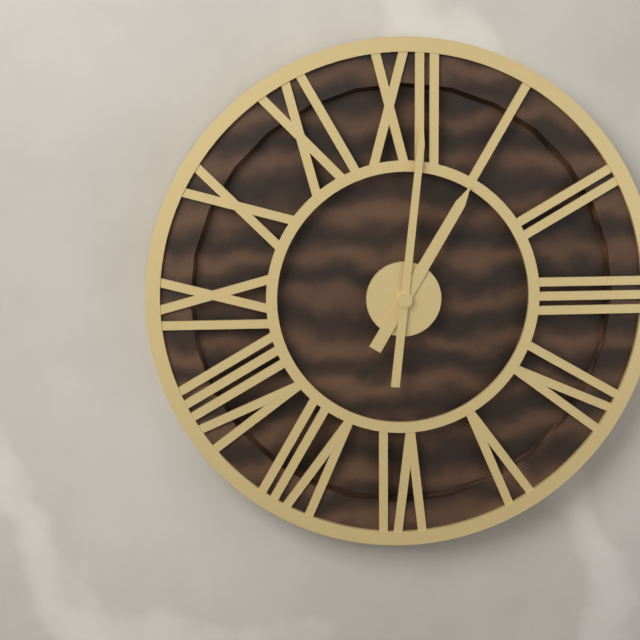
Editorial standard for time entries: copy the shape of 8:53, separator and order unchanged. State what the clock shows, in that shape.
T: 1:01
